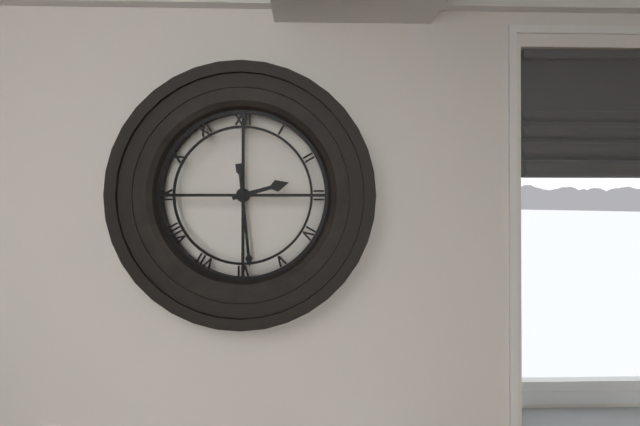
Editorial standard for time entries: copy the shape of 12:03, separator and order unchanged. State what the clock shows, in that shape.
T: 2:29
